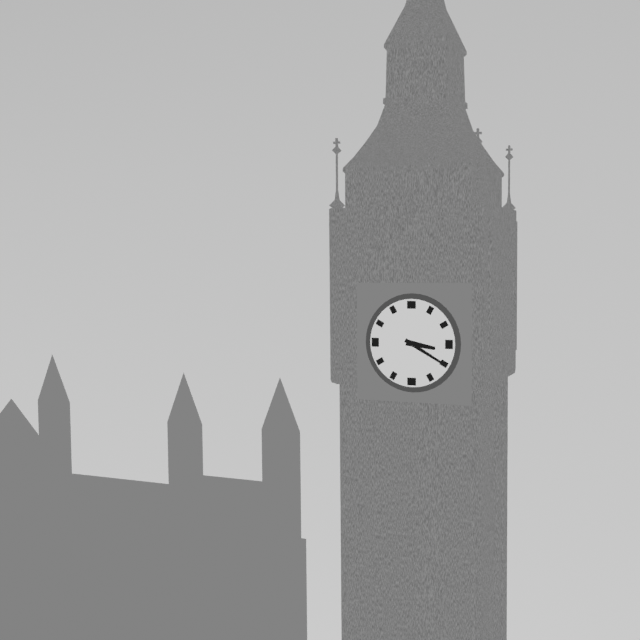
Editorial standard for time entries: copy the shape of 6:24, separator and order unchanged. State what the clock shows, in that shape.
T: 3:20
